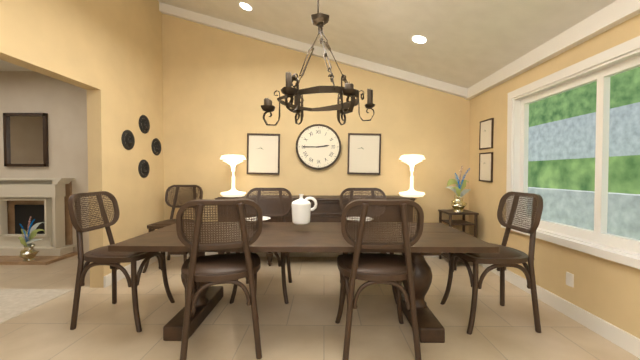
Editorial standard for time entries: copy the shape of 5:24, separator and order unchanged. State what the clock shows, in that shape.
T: 2:45
